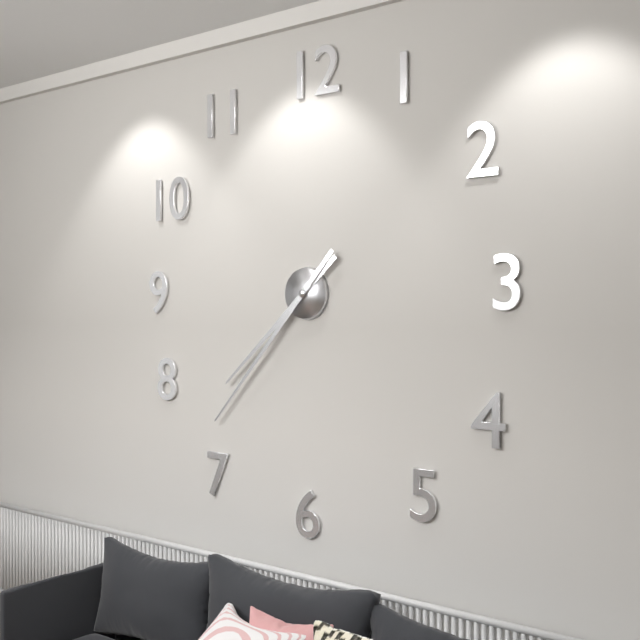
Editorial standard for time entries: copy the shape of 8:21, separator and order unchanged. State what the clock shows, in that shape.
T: 7:37
